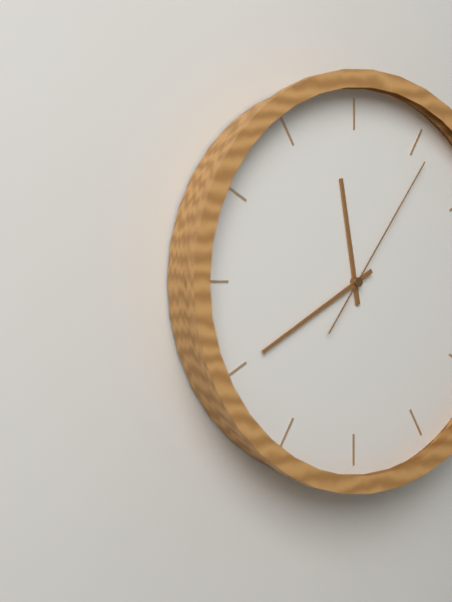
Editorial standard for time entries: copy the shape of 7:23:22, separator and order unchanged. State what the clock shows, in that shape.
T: 11:40:06
